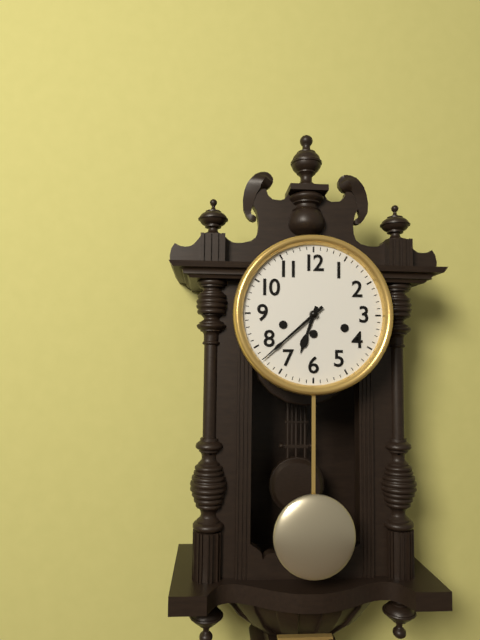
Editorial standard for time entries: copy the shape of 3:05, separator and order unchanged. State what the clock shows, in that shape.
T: 6:38
